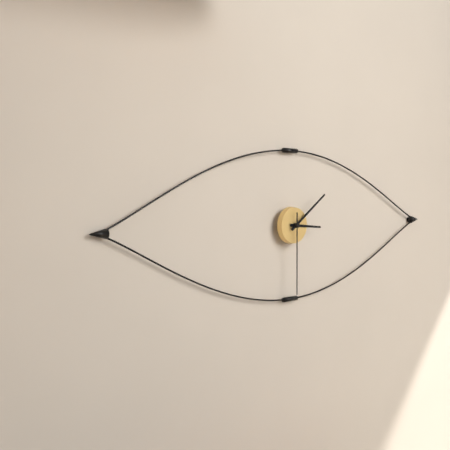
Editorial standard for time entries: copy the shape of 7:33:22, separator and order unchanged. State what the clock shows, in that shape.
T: 3:09:30
